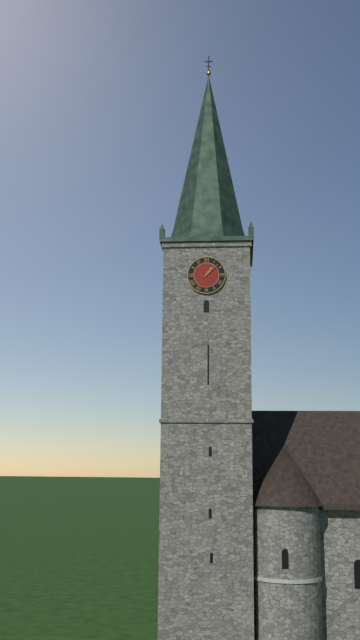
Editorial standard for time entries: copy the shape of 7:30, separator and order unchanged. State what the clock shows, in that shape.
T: 1:08
